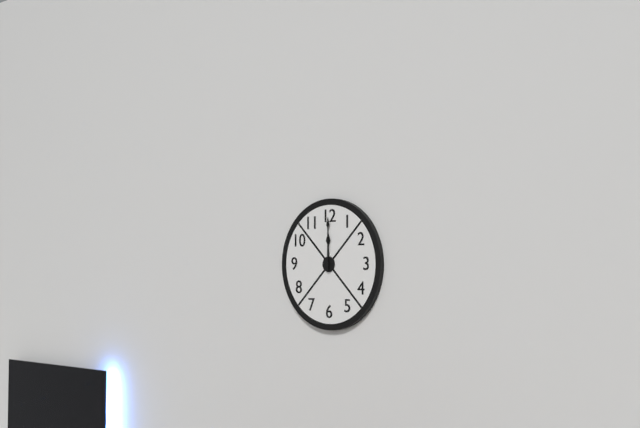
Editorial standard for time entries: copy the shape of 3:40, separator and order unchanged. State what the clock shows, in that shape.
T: 12:00
